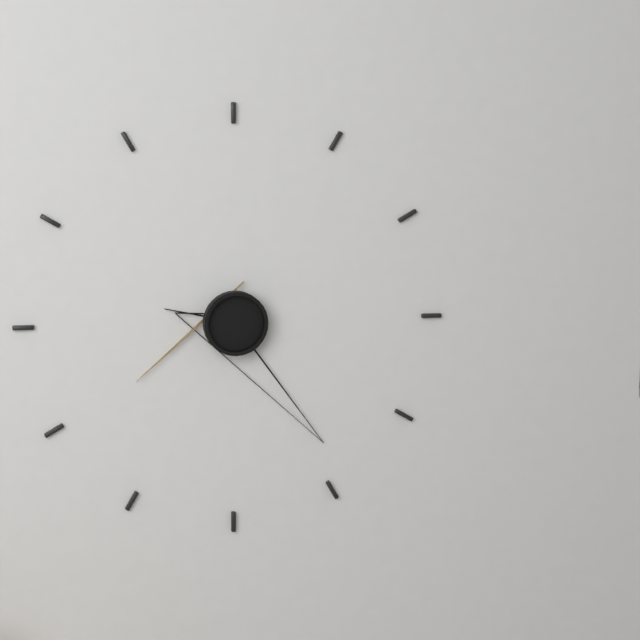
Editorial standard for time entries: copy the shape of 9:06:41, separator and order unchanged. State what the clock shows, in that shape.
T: 9:24:40
